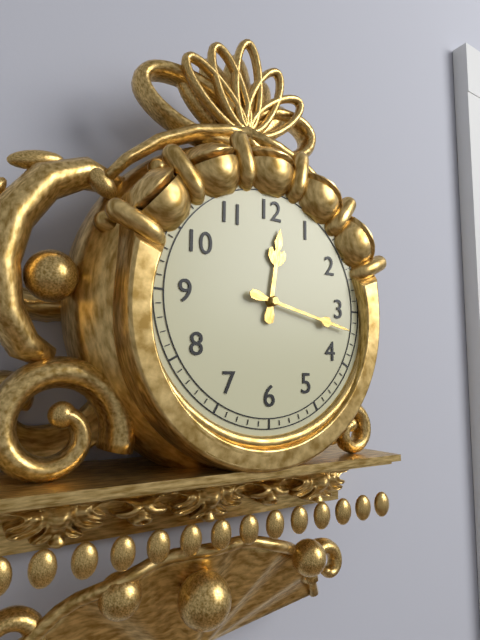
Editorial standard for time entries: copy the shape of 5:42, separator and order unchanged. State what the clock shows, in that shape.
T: 12:17
